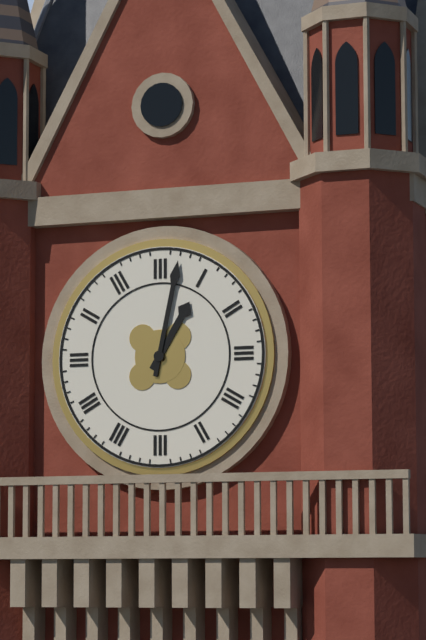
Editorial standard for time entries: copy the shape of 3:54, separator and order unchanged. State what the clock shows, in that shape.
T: 1:02
